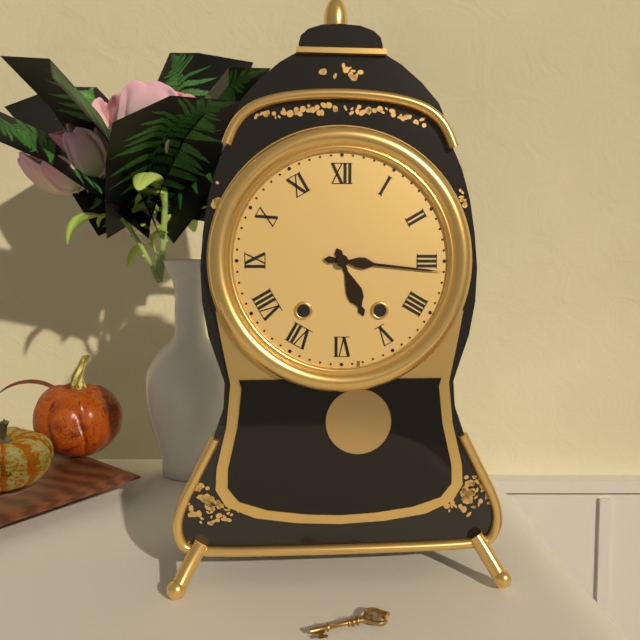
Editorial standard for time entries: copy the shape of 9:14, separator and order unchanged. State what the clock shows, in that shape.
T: 5:16
